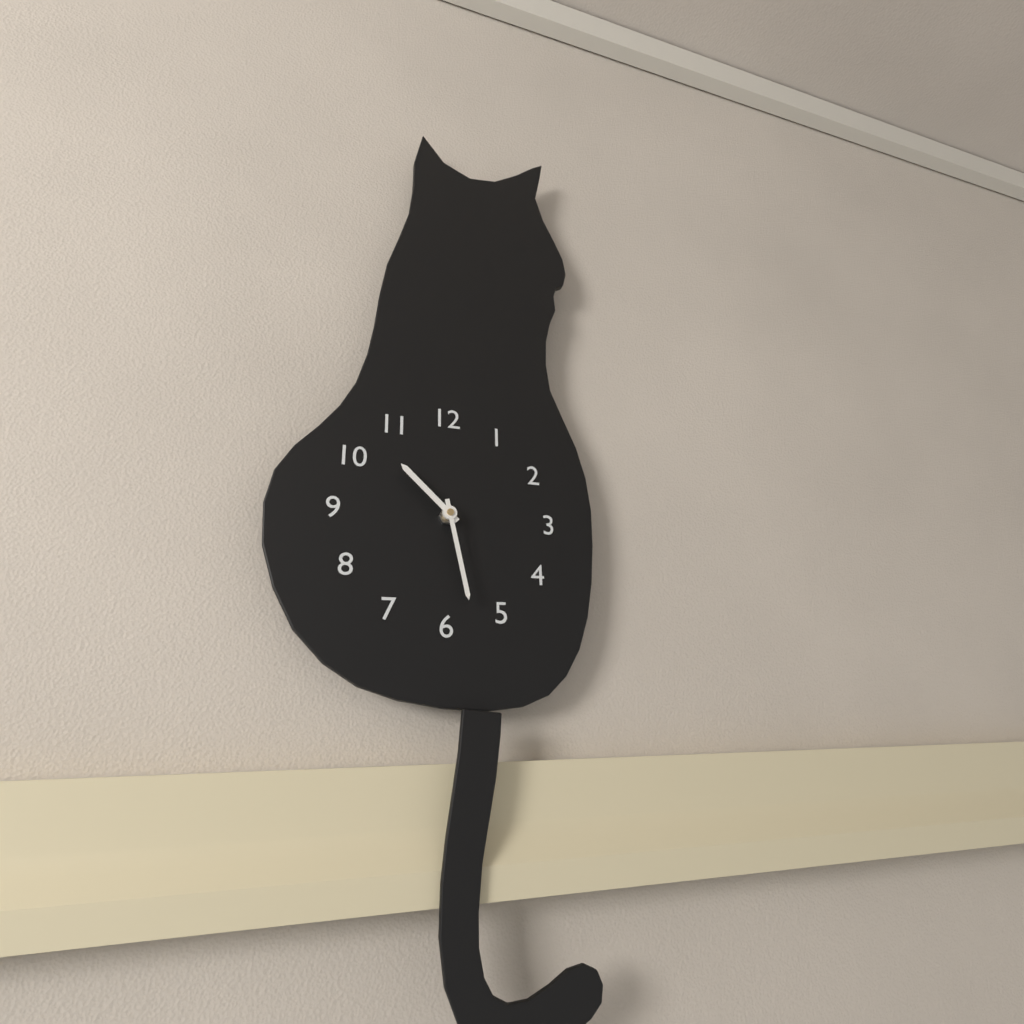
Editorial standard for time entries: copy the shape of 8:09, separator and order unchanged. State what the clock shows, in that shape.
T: 10:28
